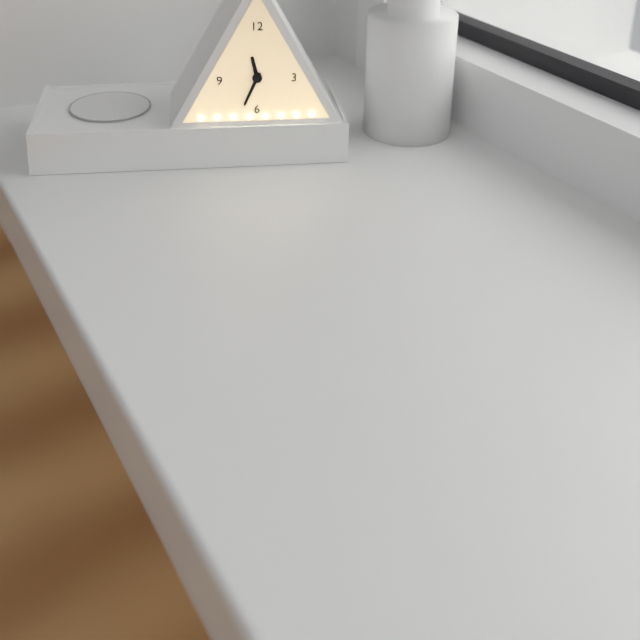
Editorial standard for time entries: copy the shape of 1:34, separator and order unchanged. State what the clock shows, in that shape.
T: 11:34
